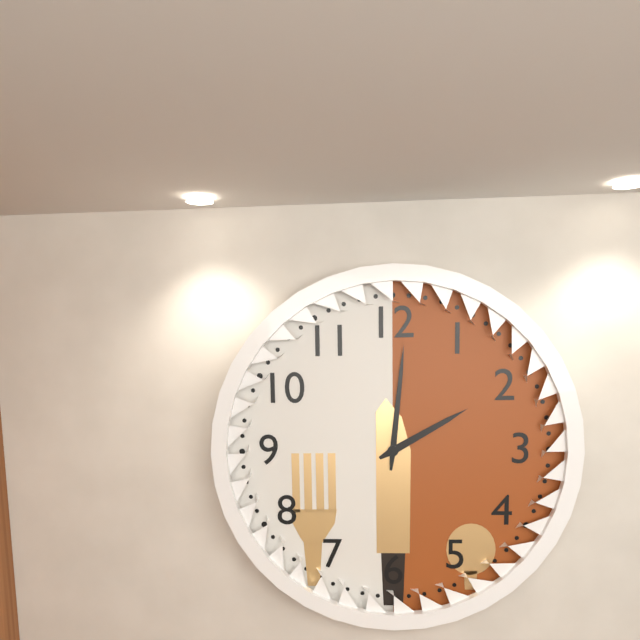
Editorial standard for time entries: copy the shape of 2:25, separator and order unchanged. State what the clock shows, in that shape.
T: 2:01
